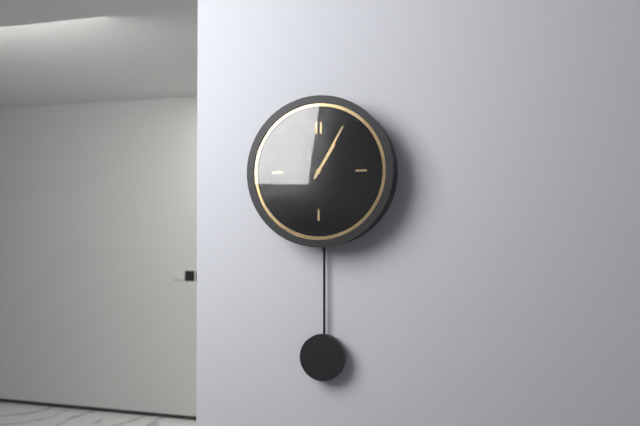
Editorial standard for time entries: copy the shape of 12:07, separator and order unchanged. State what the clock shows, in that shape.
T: 1:05
